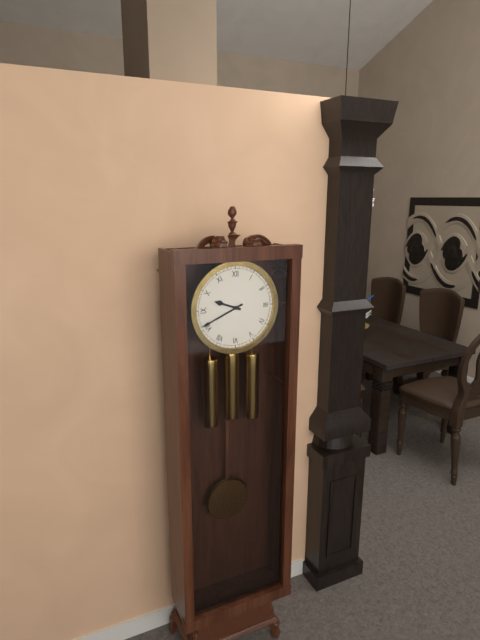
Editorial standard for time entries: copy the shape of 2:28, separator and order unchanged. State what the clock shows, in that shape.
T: 9:41
